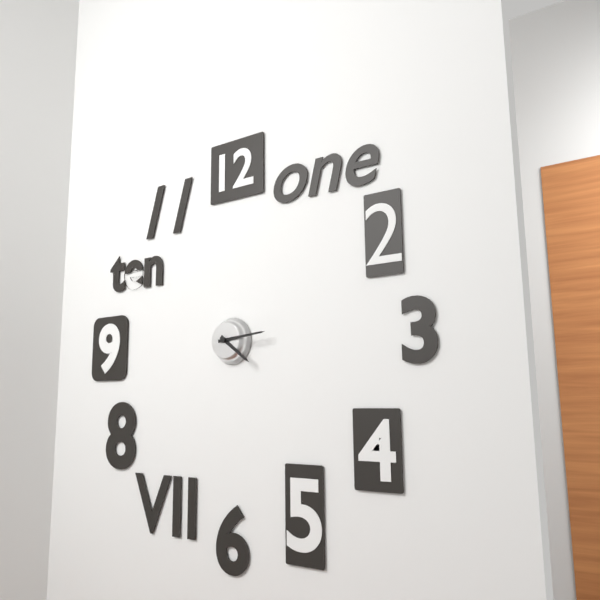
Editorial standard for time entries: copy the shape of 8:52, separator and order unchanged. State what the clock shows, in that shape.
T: 4:14
